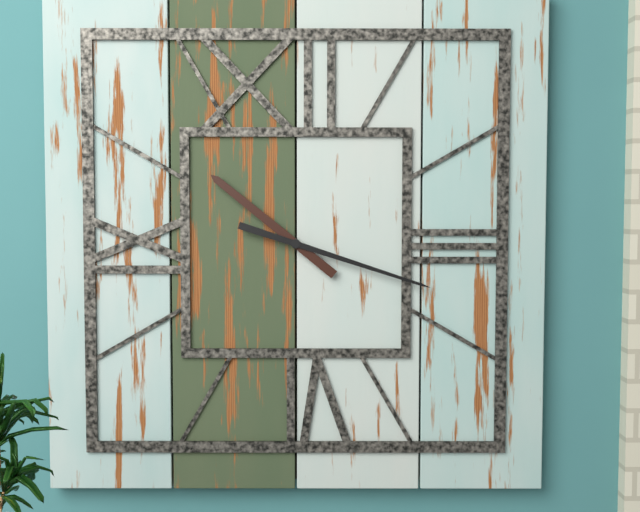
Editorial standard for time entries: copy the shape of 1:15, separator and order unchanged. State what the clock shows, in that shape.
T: 10:18
